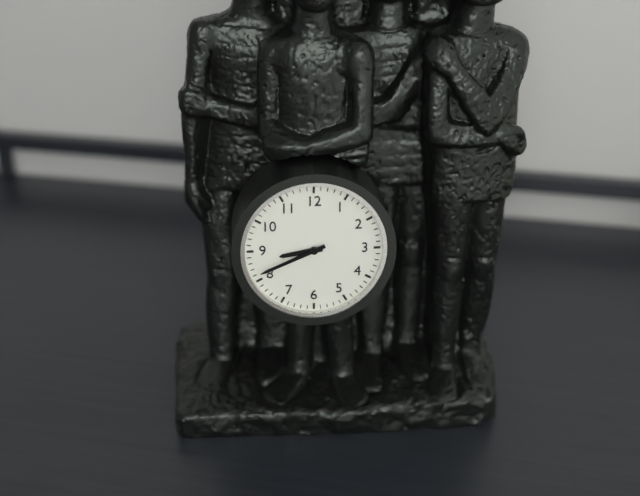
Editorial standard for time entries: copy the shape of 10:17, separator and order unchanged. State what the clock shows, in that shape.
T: 8:41
